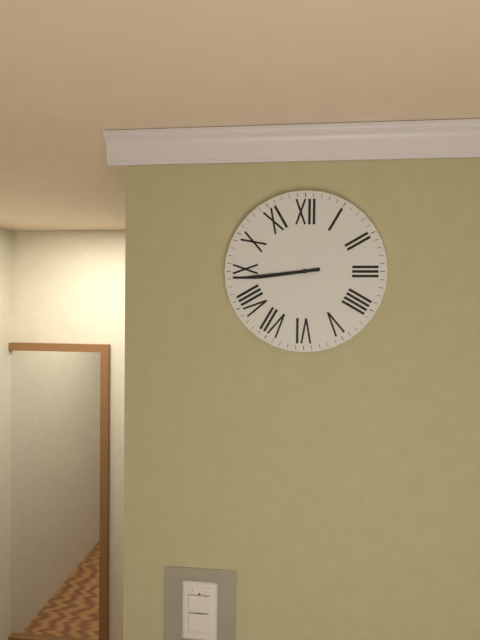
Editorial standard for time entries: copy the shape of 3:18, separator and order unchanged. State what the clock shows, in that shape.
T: 8:44
